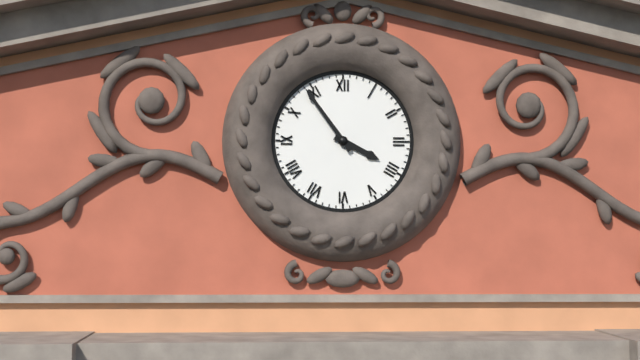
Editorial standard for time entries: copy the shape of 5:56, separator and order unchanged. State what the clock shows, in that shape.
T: 3:54
